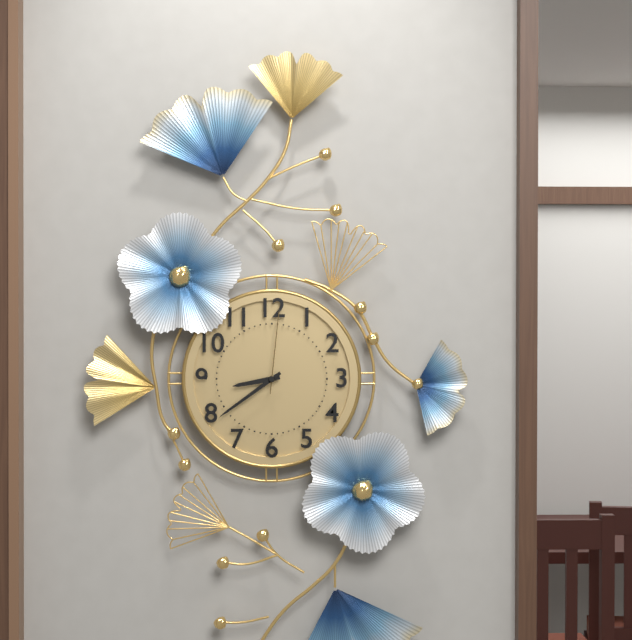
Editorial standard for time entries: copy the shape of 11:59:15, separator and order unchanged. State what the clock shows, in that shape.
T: 8:39:01
